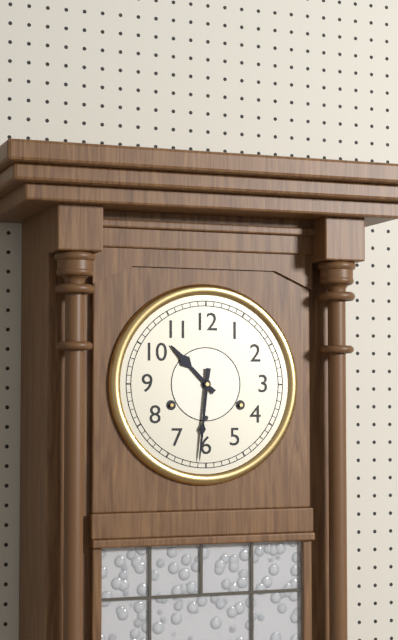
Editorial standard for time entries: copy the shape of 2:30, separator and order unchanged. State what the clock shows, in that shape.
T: 10:31
